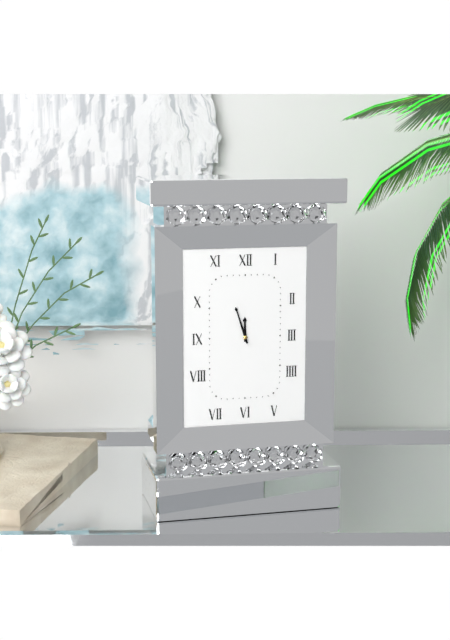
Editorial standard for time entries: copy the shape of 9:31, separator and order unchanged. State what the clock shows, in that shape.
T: 11:57
